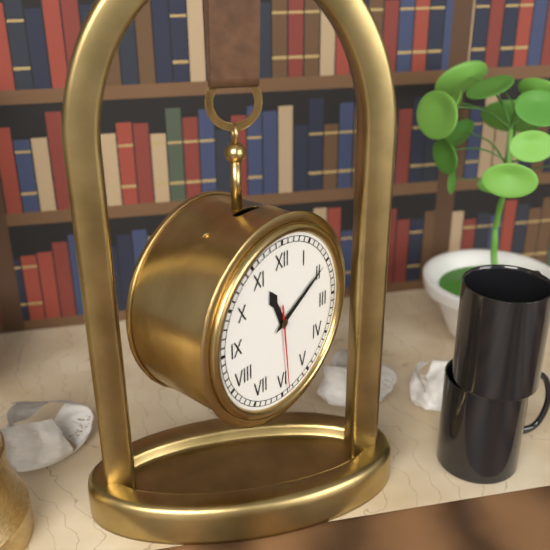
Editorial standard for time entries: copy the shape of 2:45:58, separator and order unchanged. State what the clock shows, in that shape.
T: 11:10:29
